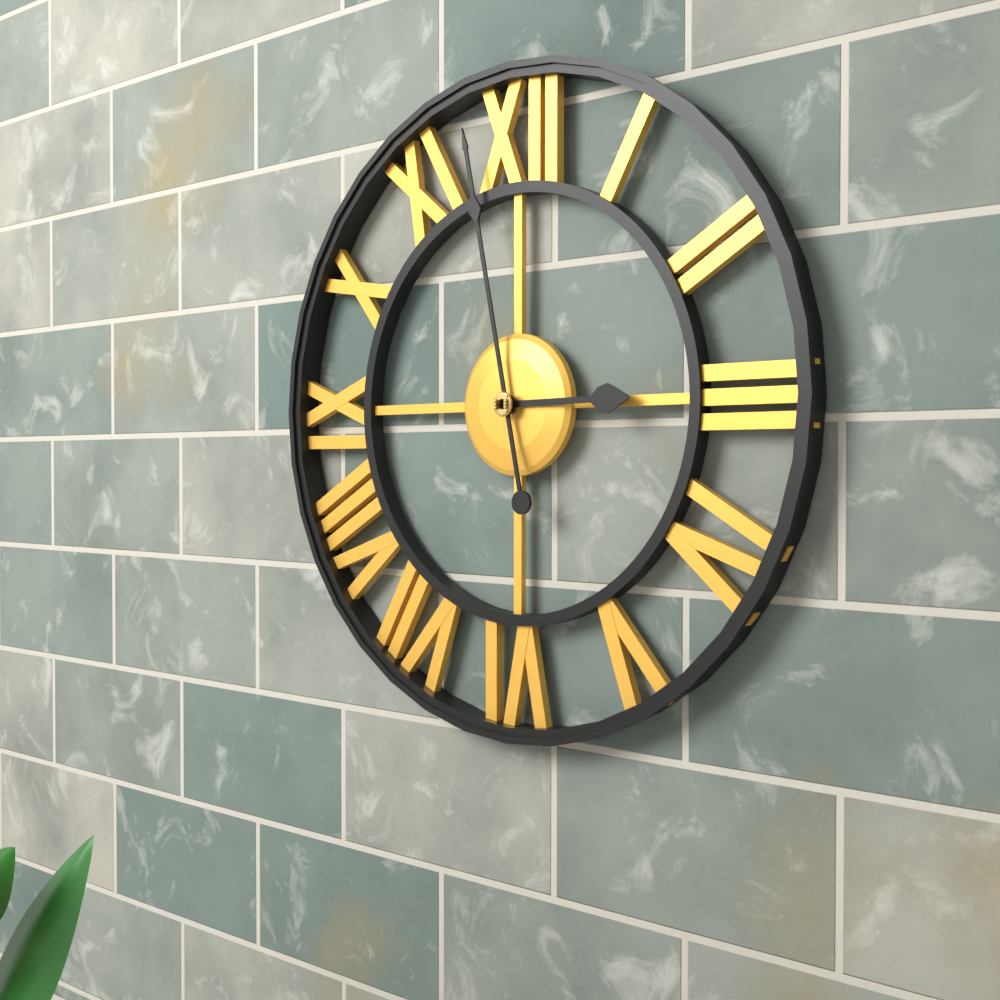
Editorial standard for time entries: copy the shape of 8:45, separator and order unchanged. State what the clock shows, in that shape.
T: 2:58
